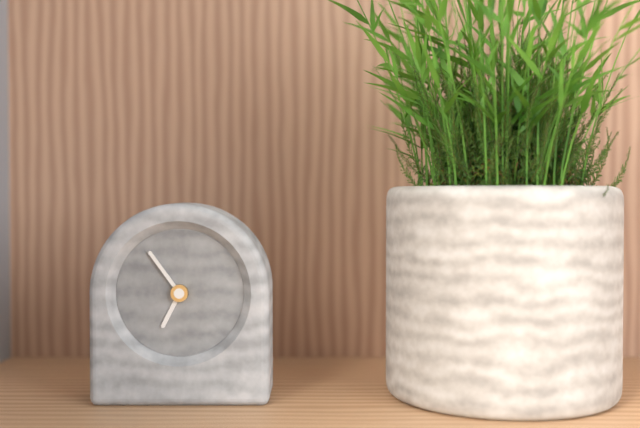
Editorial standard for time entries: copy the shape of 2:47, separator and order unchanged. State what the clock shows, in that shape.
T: 6:54
